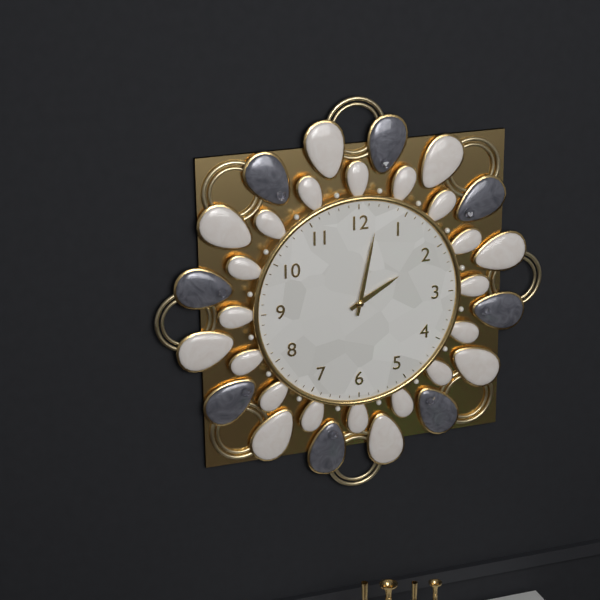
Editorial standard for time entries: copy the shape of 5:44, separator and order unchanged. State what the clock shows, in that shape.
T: 2:02
